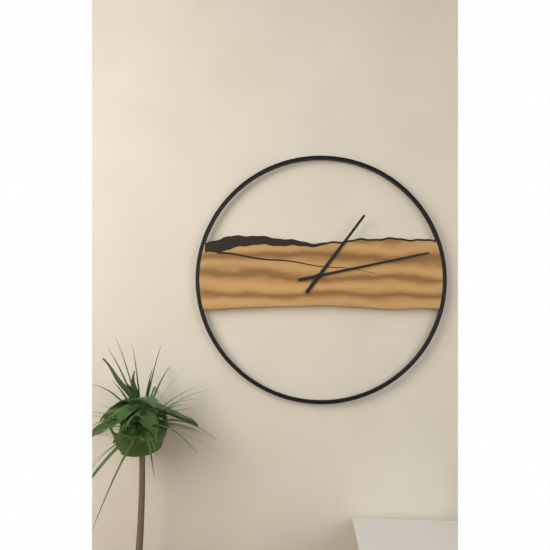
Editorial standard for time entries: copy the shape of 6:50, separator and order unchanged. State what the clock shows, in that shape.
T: 1:13
